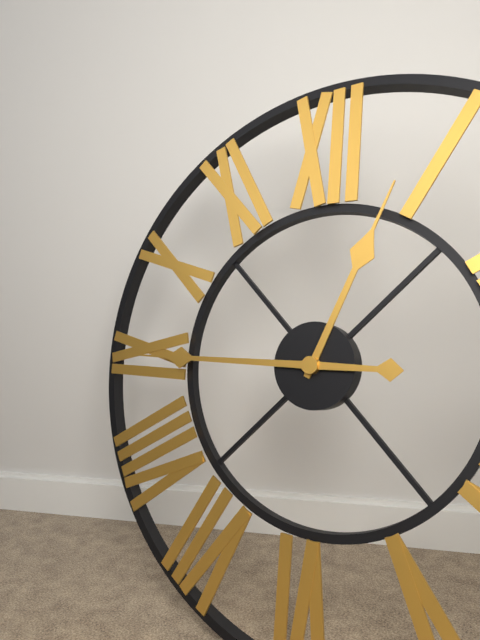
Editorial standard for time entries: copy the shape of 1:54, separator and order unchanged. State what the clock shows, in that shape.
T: 12:45
